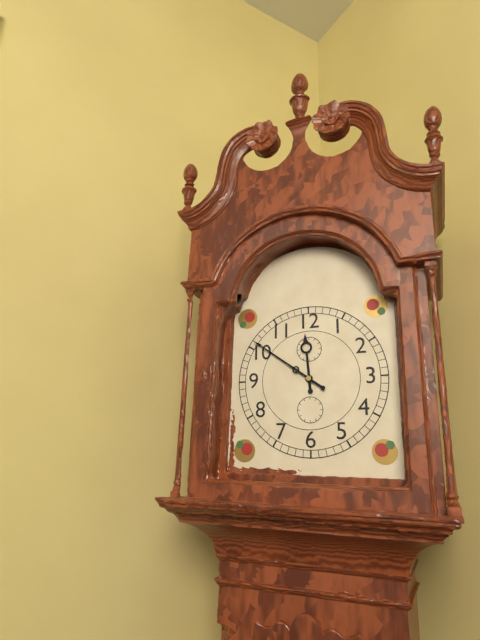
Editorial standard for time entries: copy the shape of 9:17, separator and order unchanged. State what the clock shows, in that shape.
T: 11:51
